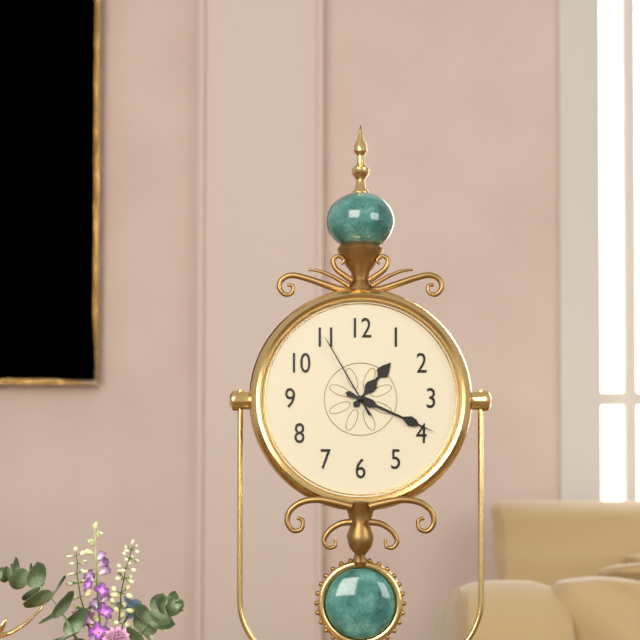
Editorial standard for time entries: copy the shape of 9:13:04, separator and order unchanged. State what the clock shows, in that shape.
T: 1:19:55
